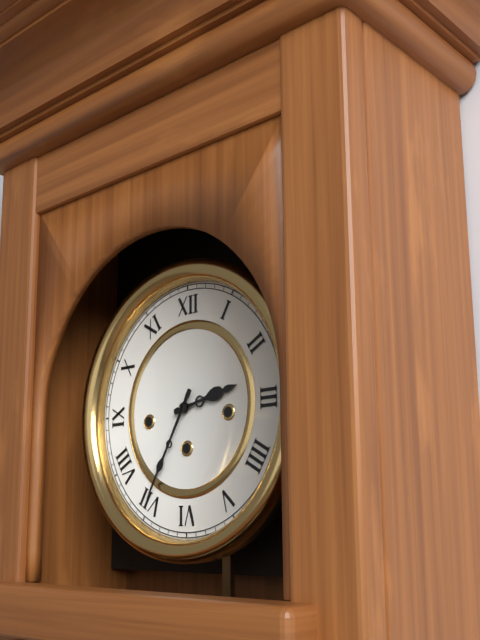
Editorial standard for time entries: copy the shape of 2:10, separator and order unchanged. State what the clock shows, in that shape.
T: 2:35
